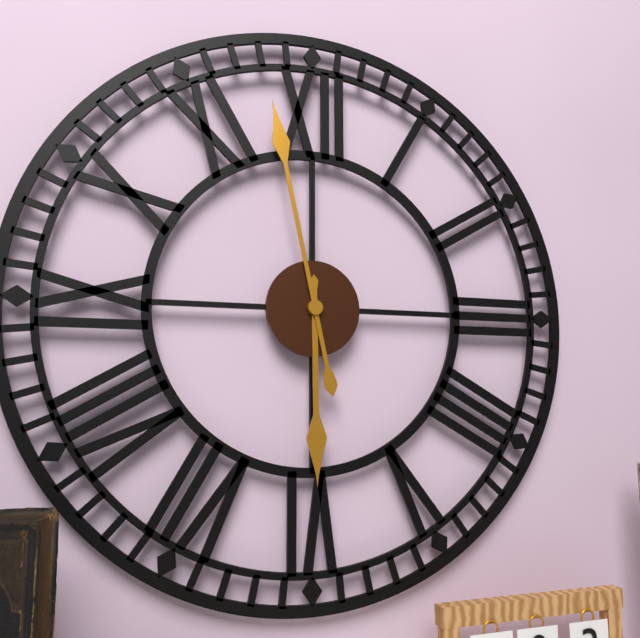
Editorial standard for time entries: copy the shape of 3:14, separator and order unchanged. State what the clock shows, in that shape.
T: 5:58
